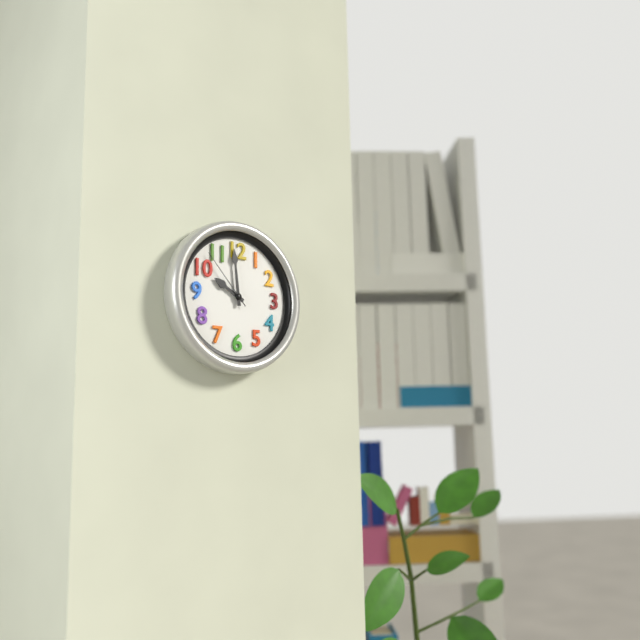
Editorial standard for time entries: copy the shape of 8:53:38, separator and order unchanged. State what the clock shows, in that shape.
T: 9:59:53
